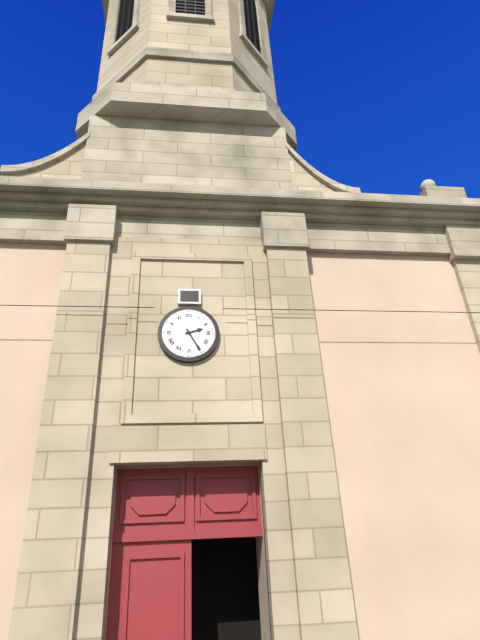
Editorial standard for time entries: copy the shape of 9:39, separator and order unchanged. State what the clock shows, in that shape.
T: 2:25
